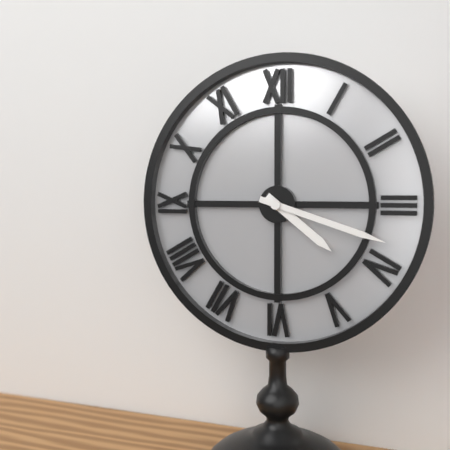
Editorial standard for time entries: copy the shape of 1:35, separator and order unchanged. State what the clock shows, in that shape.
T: 4:18
